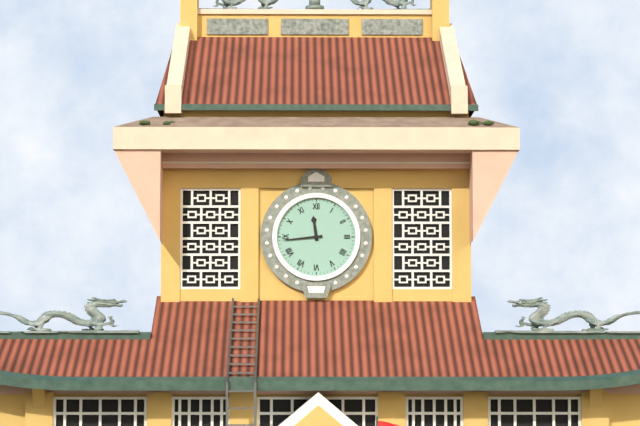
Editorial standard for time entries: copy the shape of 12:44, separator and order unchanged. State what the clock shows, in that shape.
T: 11:44
